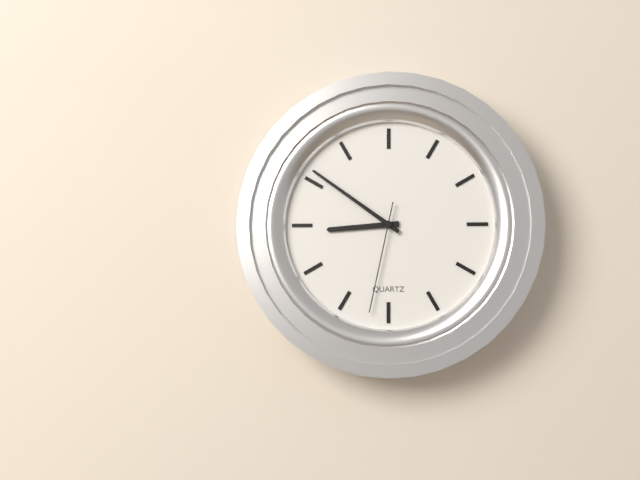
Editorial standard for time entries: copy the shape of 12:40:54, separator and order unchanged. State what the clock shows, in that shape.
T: 8:51:32
